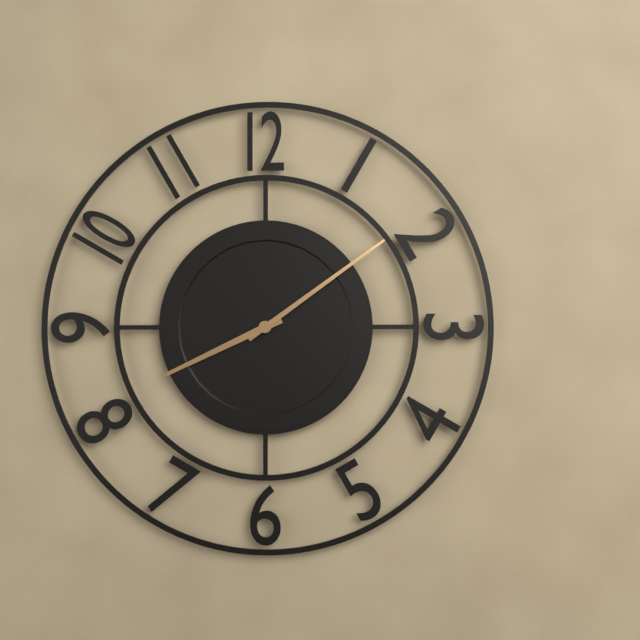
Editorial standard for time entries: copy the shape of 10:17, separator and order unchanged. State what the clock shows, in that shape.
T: 8:09
